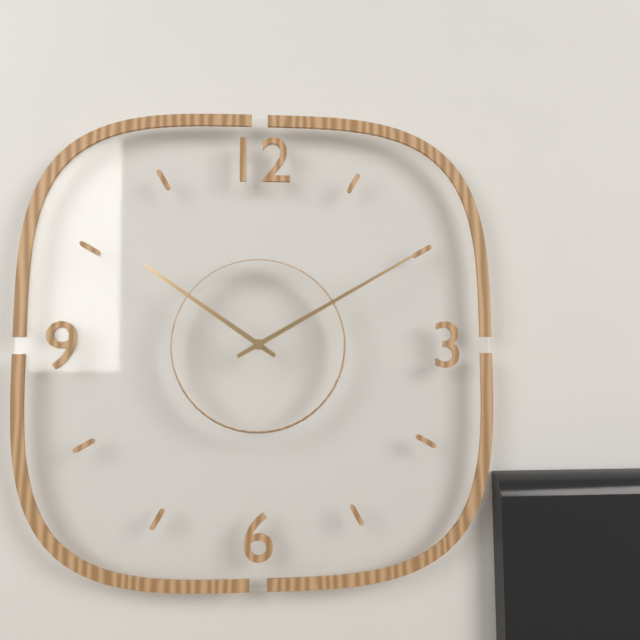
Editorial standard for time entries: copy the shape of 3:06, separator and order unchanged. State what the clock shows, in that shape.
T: 10:10
